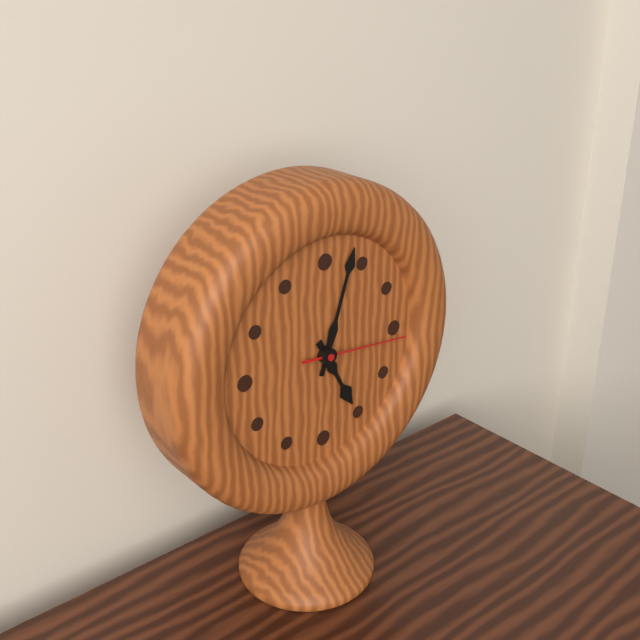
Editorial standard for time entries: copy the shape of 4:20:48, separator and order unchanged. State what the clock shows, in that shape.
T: 5:03:16
